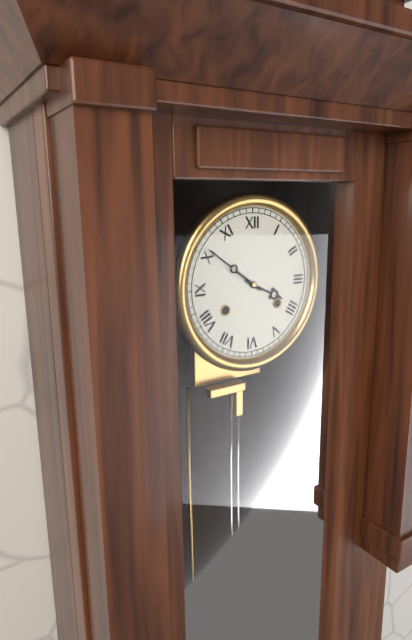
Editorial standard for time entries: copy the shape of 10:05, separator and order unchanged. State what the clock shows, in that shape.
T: 3:51
